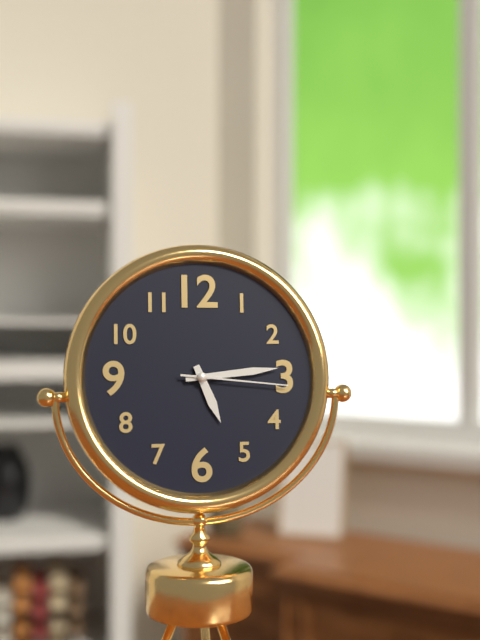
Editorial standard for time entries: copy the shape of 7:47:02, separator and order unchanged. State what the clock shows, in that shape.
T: 5:14:16
